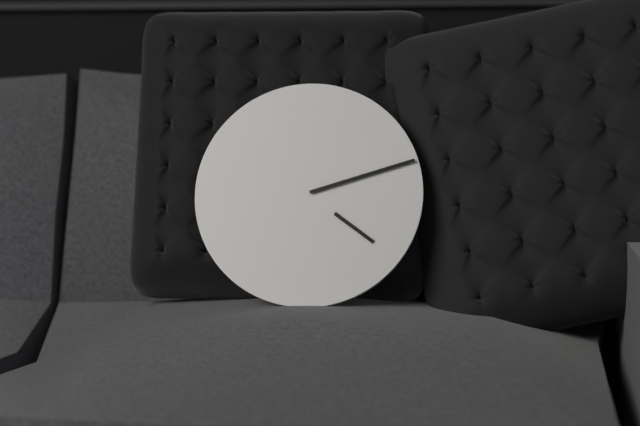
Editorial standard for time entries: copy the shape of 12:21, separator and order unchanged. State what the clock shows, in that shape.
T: 4:12
